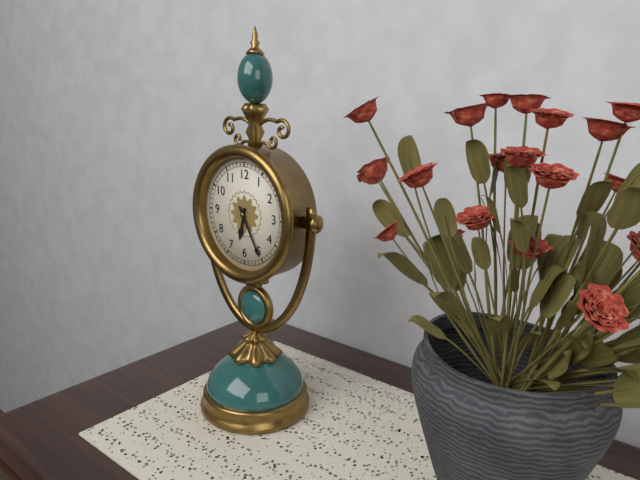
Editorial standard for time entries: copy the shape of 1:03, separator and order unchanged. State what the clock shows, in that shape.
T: 6:25
